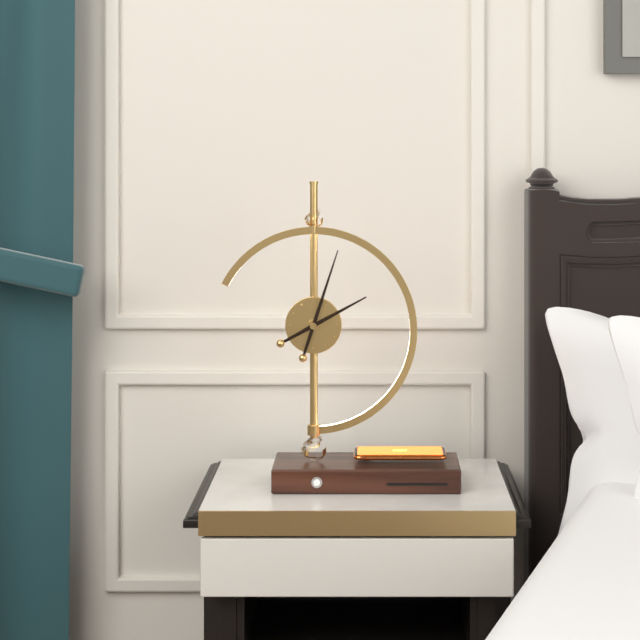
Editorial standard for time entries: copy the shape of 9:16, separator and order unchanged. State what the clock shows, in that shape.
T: 2:03
